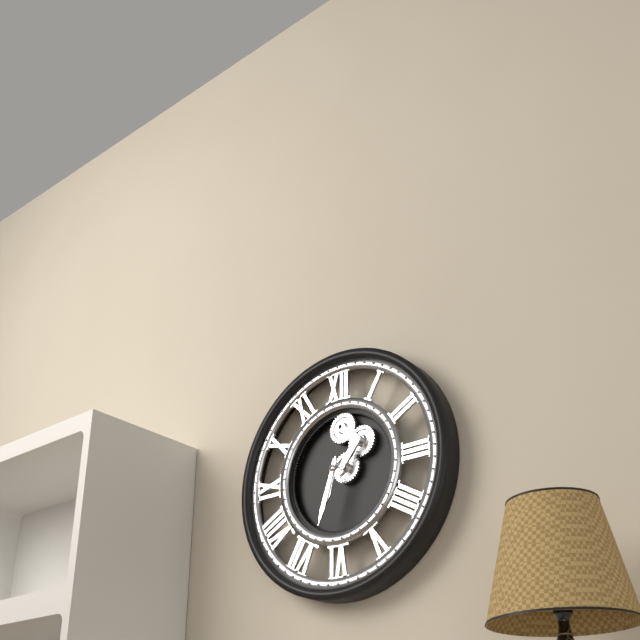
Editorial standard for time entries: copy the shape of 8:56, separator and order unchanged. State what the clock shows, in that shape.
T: 6:33
